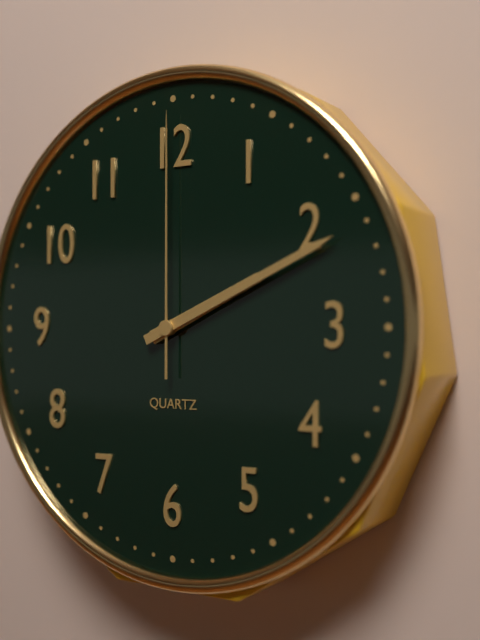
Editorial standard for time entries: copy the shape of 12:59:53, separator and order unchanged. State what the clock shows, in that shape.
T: 2:11:00
